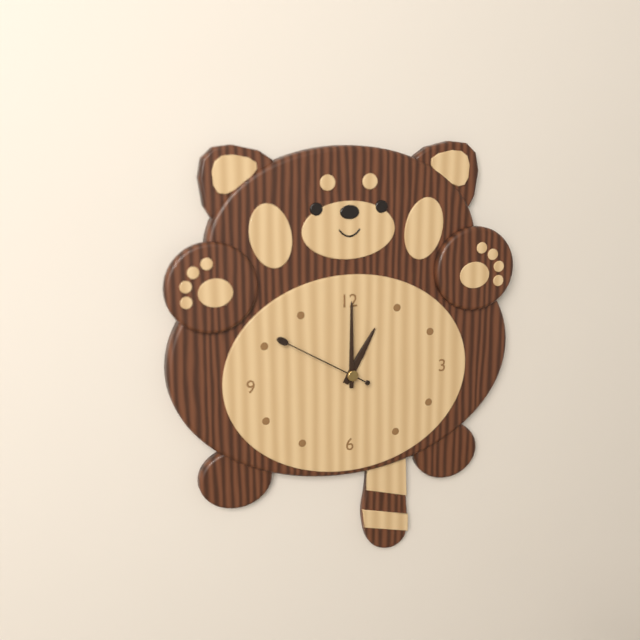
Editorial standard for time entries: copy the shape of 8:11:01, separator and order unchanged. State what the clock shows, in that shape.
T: 1:00:50
